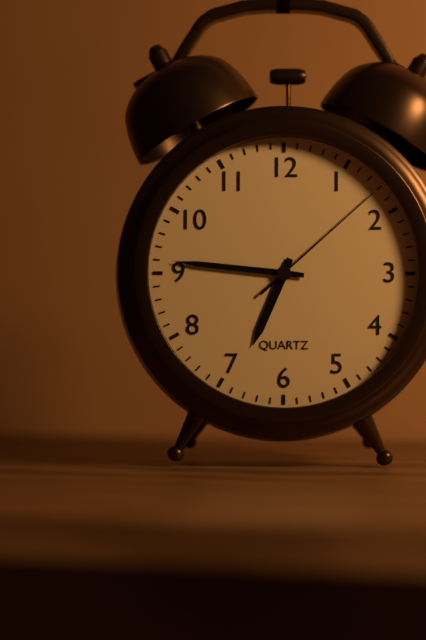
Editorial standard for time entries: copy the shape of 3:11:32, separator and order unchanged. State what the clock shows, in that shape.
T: 6:46:08
